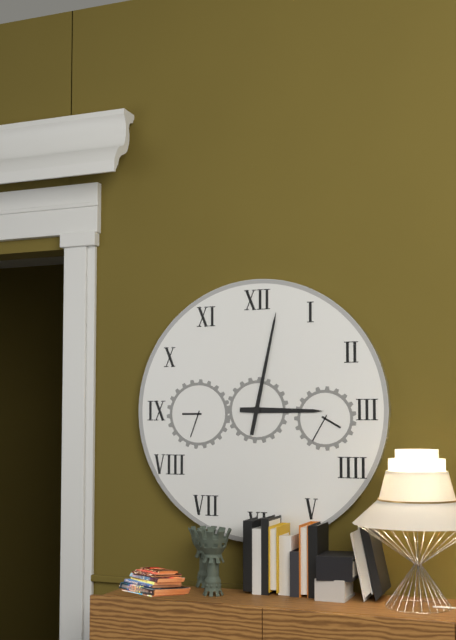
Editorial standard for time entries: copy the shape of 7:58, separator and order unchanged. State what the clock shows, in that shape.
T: 3:02
